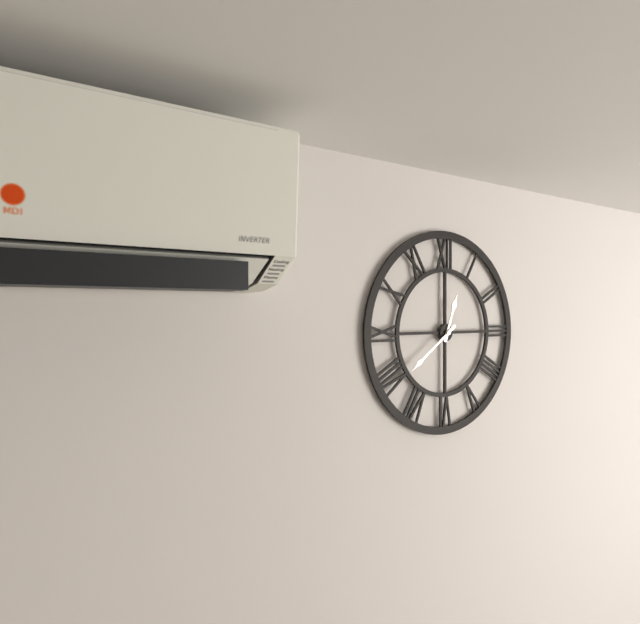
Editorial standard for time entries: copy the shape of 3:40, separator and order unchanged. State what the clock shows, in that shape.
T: 12:39
